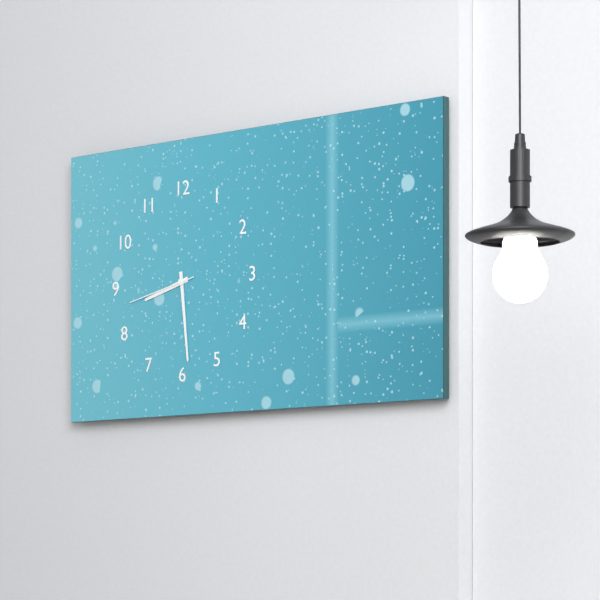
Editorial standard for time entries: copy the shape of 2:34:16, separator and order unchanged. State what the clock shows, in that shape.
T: 8:29:43
